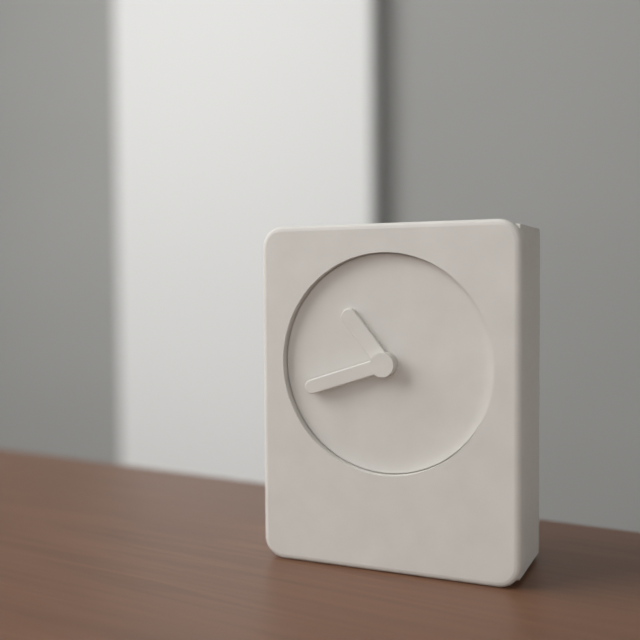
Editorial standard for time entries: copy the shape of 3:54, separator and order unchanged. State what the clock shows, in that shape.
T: 10:42
